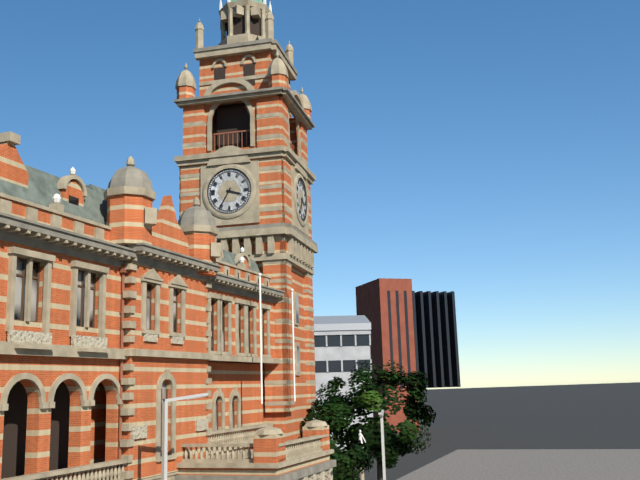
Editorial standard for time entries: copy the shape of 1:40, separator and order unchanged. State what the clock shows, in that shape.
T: 3:35
